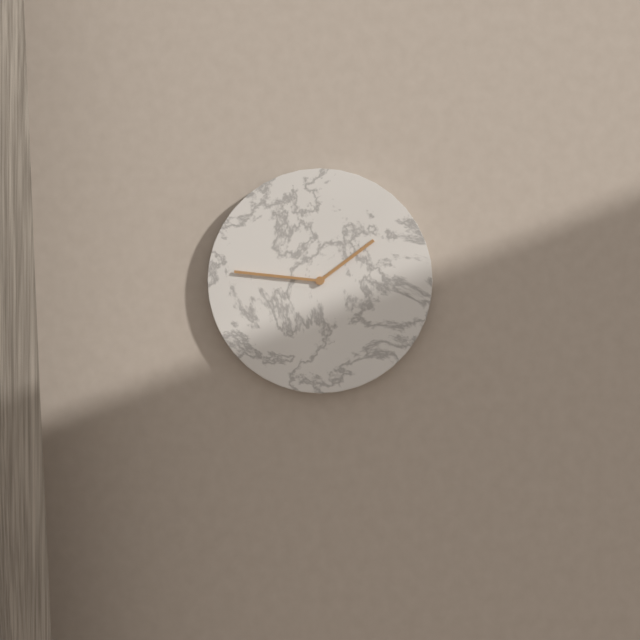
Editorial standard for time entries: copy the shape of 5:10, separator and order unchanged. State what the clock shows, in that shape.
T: 1:46
